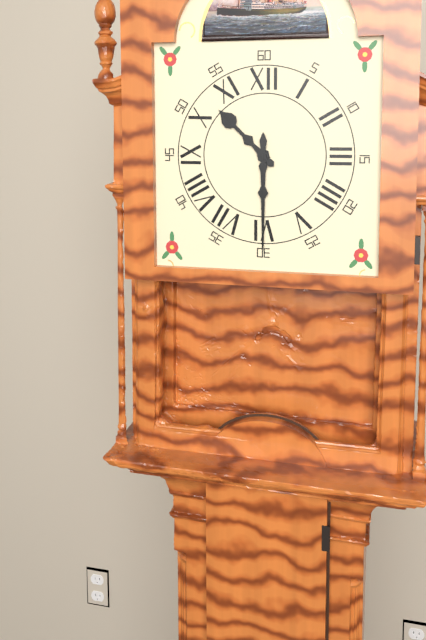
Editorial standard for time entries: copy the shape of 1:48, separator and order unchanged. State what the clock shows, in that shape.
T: 10:30
